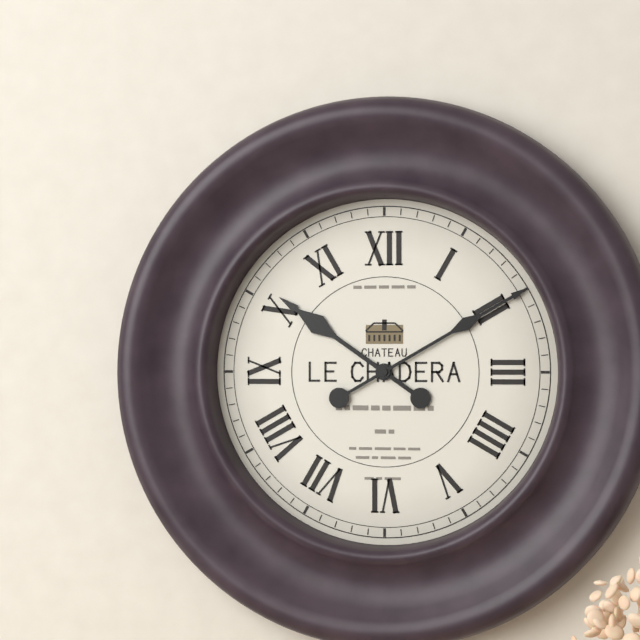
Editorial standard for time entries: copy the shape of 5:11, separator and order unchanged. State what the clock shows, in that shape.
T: 10:10
